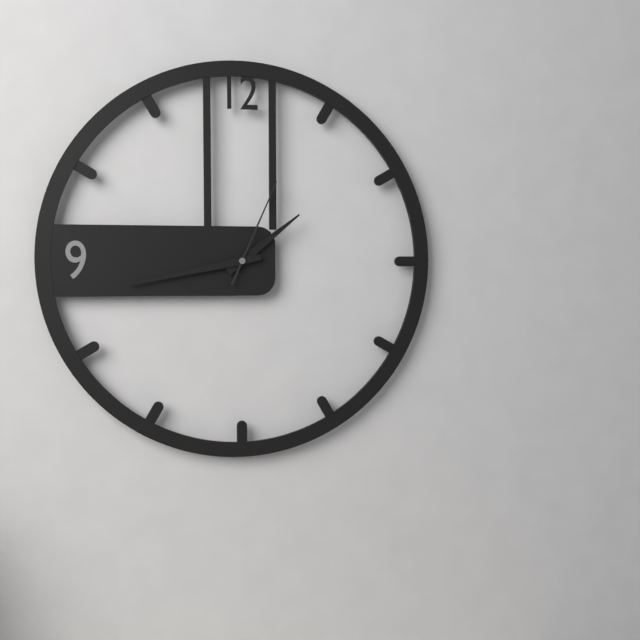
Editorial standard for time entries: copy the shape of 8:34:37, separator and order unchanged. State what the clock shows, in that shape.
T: 1:43:04
